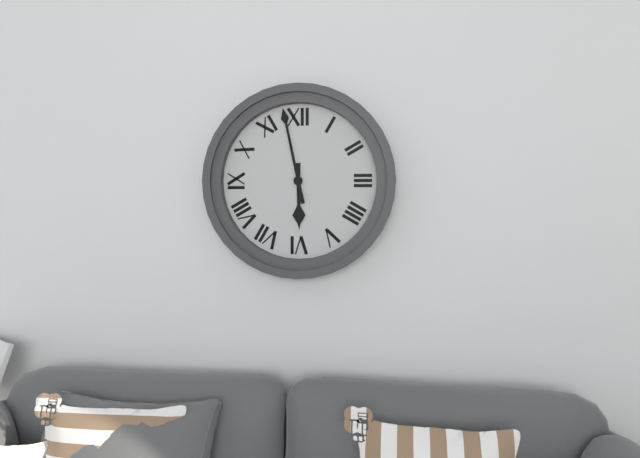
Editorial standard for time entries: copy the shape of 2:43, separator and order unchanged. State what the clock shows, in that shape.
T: 5:58
